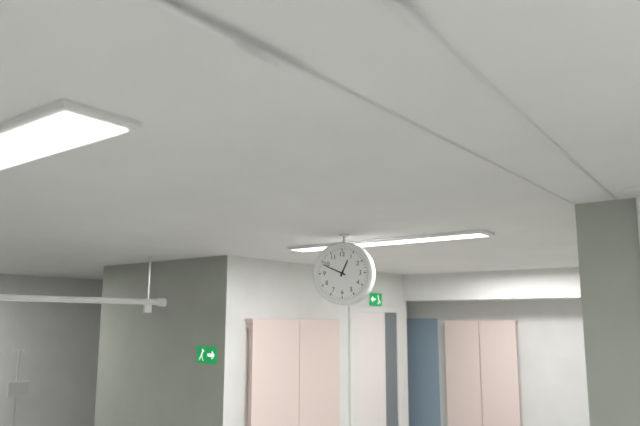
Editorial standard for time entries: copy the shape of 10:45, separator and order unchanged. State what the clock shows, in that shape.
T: 12:49
